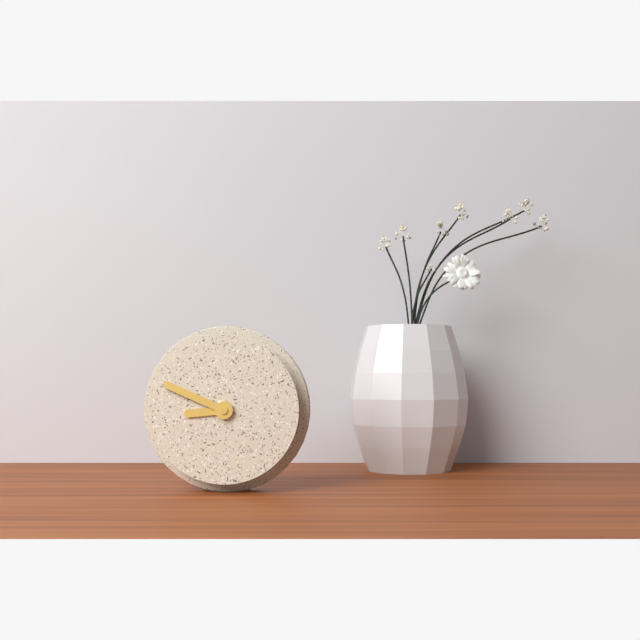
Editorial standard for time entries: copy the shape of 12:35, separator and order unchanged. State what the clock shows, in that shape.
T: 8:49
